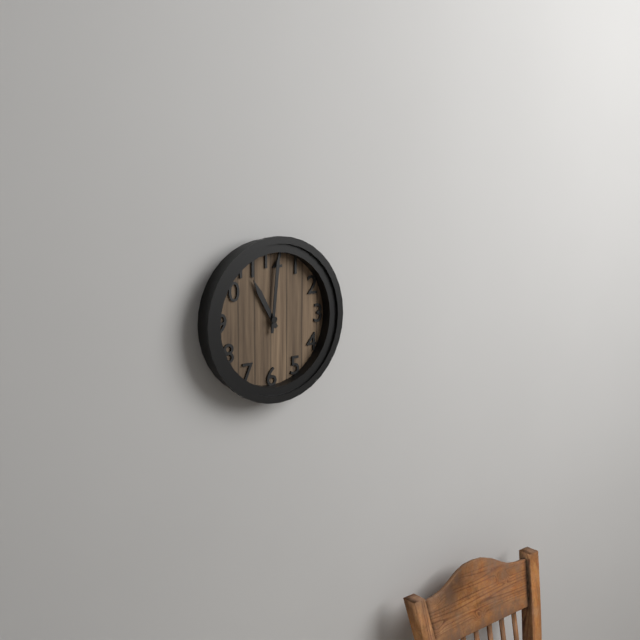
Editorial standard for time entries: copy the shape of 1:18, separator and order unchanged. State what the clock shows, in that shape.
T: 11:01
